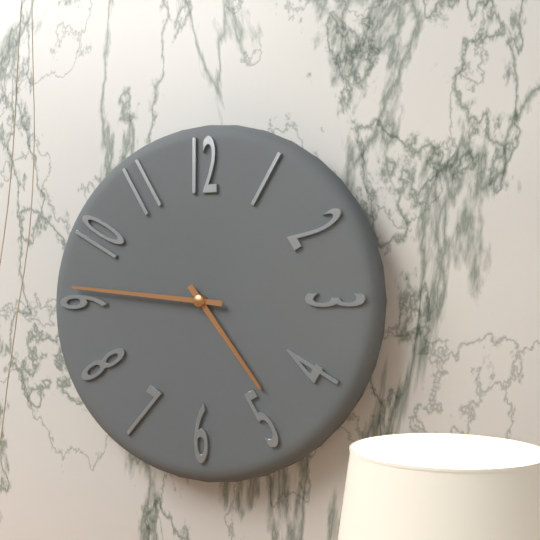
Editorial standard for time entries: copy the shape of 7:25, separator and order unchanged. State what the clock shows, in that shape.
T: 4:46
